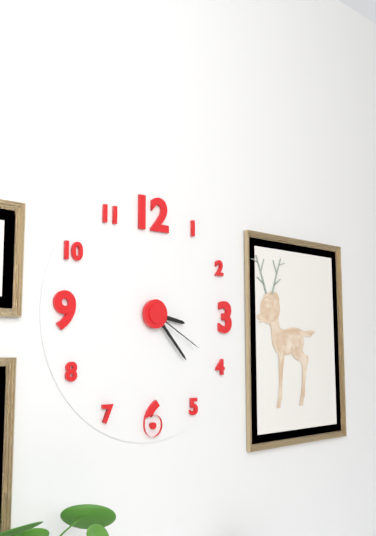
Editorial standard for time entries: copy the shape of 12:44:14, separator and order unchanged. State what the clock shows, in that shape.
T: 3:23:20
